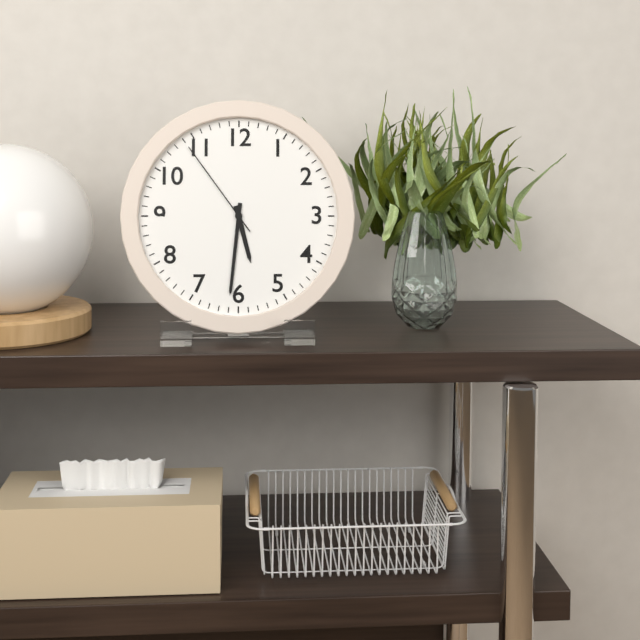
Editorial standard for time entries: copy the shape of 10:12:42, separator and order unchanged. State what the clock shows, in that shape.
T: 5:31:54
